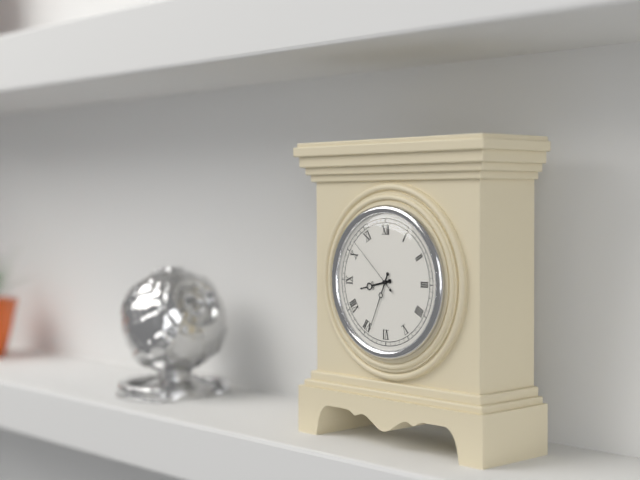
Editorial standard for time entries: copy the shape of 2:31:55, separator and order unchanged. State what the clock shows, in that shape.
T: 8:34:52
